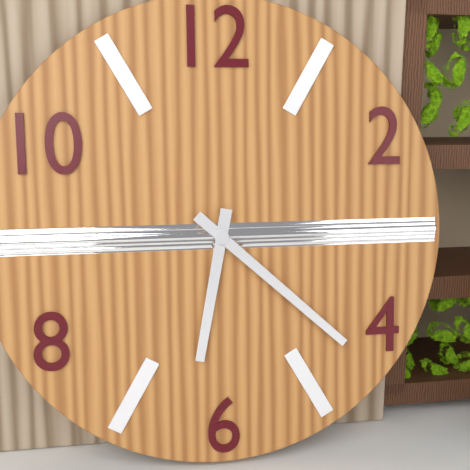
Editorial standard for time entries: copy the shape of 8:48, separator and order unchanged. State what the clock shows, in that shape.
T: 6:22
